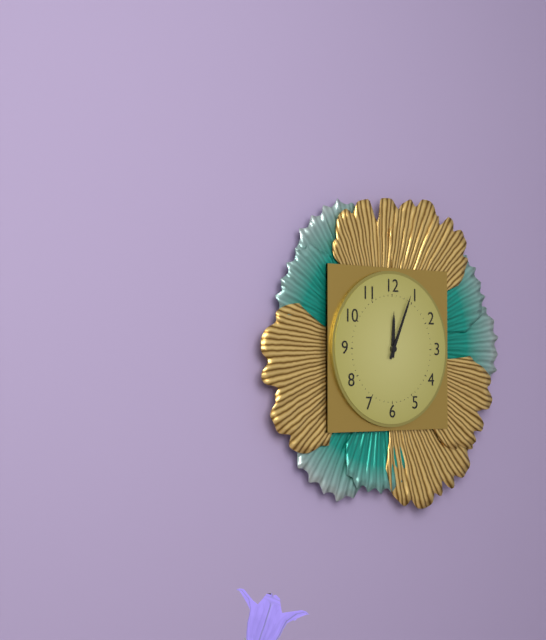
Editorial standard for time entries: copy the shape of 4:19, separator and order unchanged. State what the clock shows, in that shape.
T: 12:04
